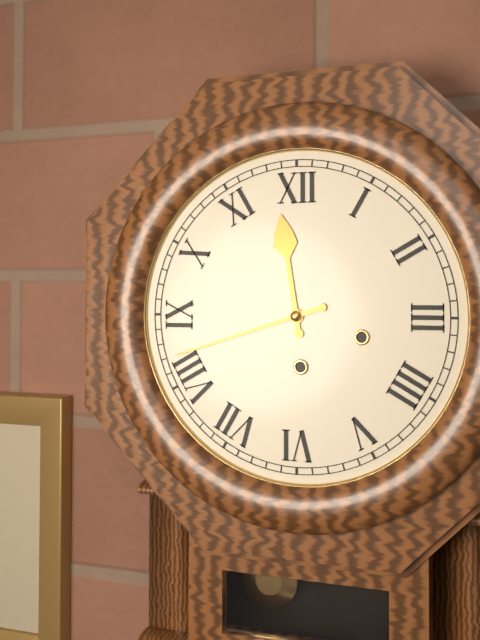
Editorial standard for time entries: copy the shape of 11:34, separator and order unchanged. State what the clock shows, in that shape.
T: 11:42
